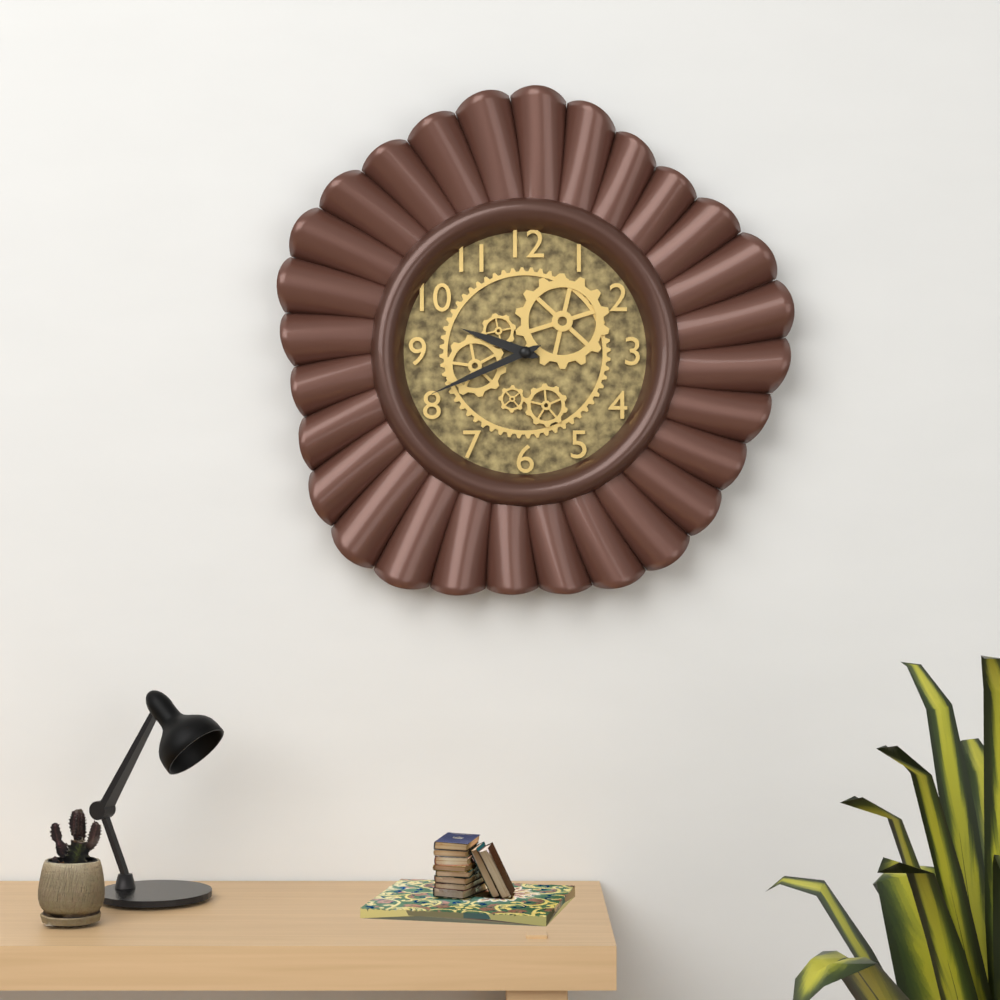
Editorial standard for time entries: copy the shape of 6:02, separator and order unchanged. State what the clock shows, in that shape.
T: 9:41
